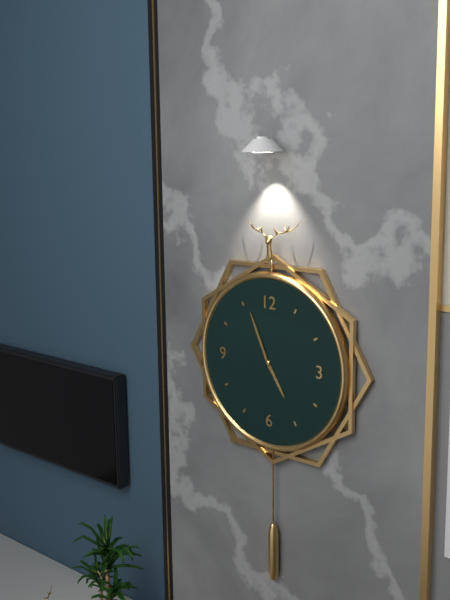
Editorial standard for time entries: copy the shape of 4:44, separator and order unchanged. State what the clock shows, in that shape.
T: 4:56
